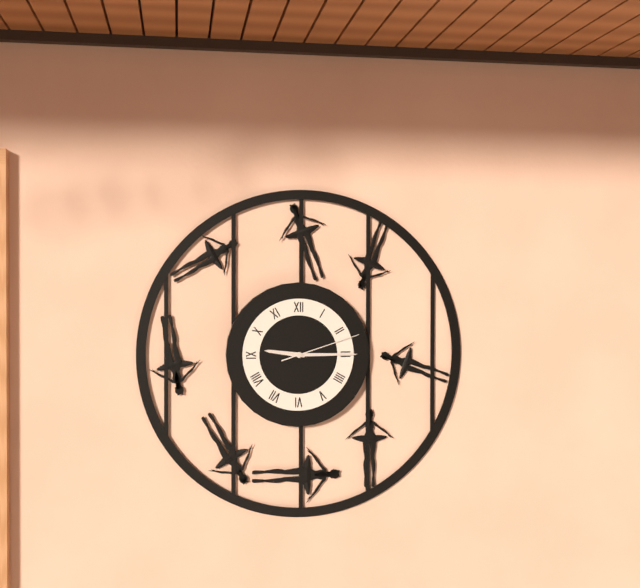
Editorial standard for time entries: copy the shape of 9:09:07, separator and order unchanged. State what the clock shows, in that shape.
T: 9:15:12
